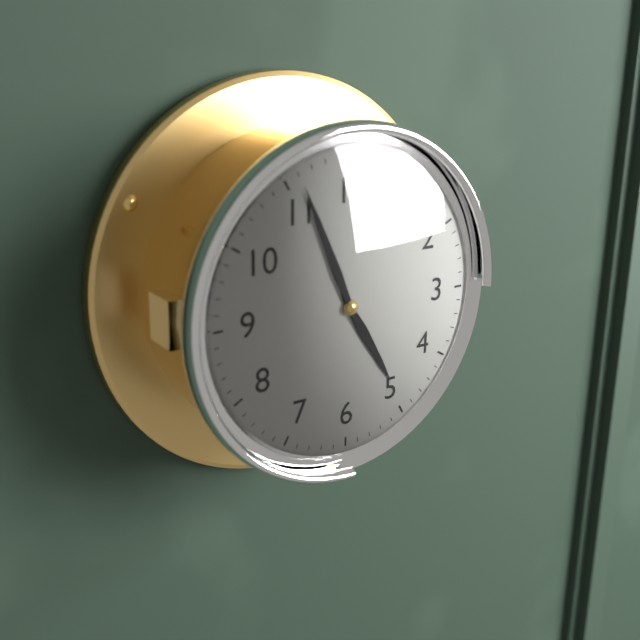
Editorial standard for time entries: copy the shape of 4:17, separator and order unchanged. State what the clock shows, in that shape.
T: 4:56
